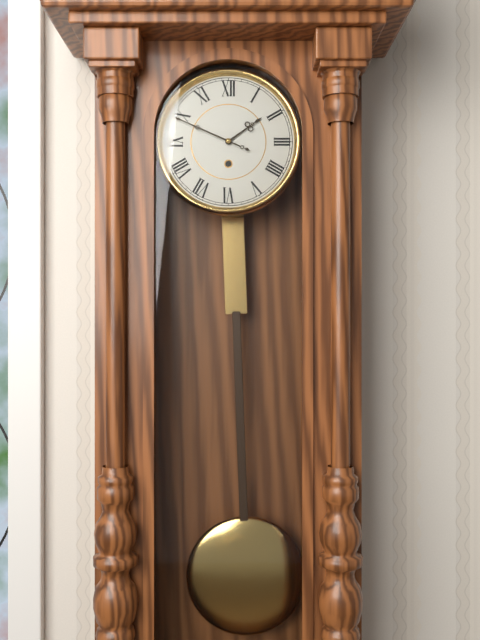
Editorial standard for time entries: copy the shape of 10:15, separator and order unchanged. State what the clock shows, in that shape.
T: 1:49
